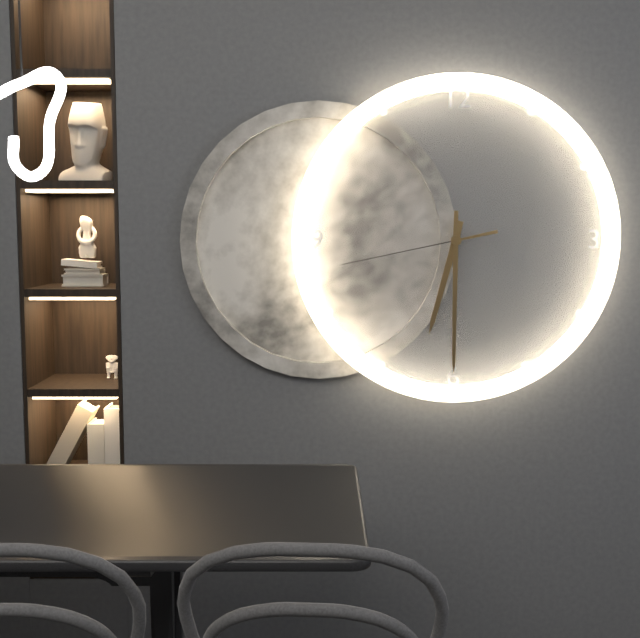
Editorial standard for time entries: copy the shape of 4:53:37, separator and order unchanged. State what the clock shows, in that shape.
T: 6:30:43
